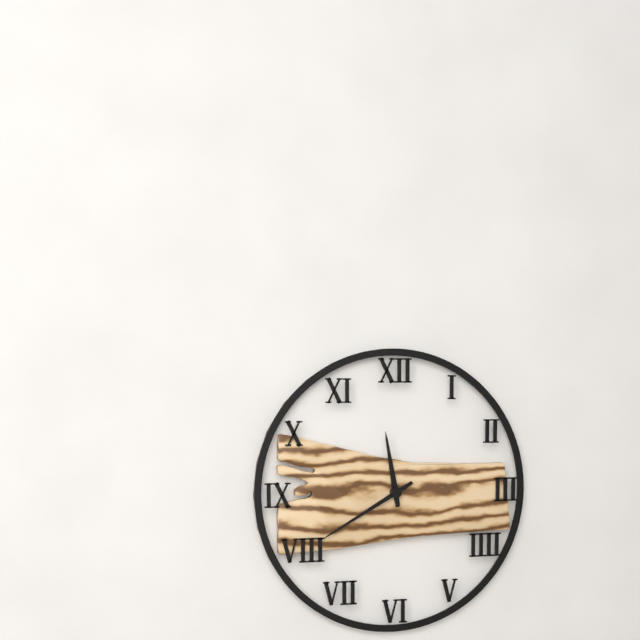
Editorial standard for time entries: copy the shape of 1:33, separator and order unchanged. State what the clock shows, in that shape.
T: 11:40
